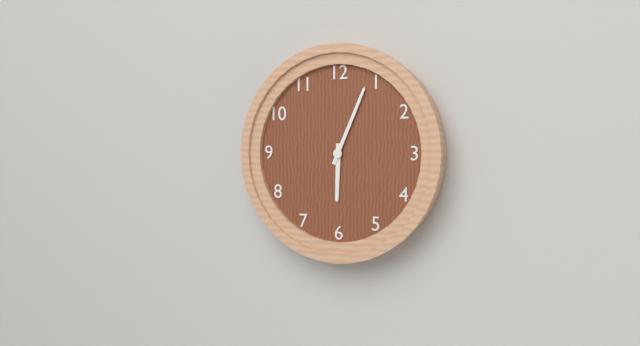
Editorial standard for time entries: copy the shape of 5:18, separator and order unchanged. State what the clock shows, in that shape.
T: 6:04
